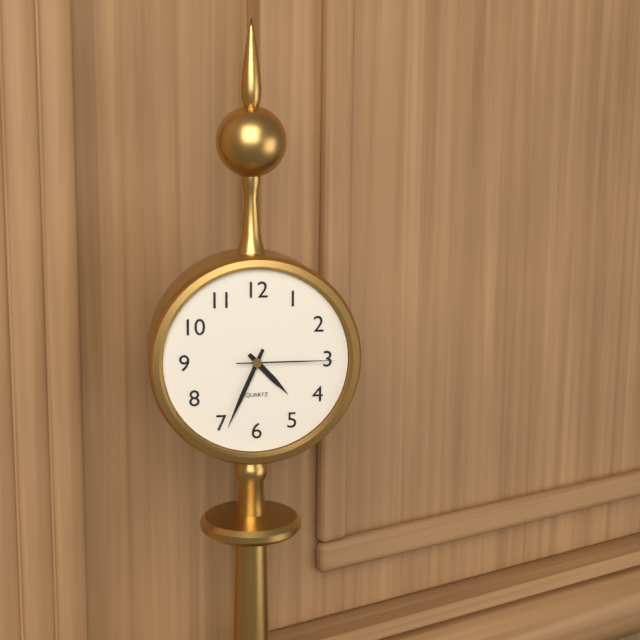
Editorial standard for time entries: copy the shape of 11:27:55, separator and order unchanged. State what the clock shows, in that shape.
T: 4:34:15
